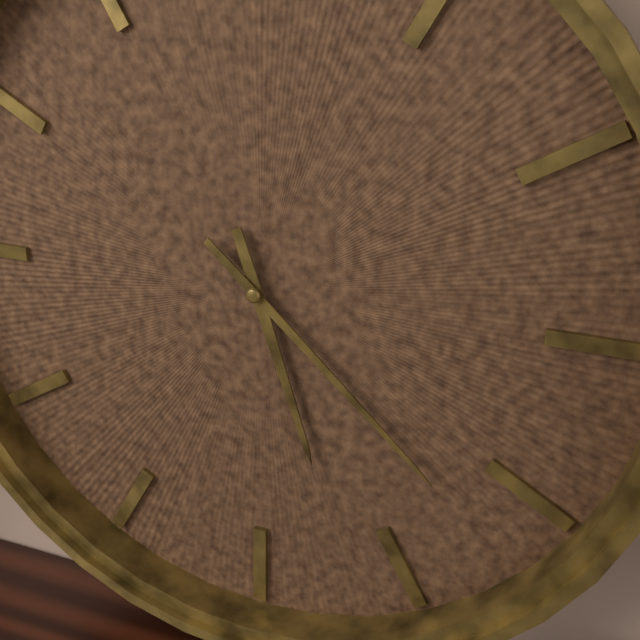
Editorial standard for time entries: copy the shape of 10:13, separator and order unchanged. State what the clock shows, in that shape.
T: 5:22
